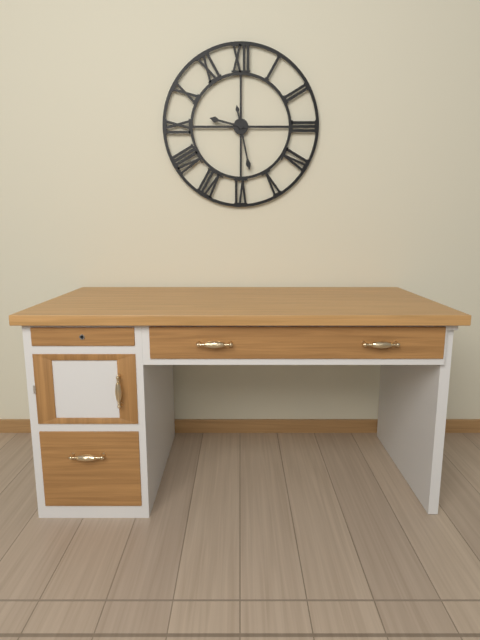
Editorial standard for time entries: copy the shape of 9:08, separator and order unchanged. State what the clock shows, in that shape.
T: 9:28
